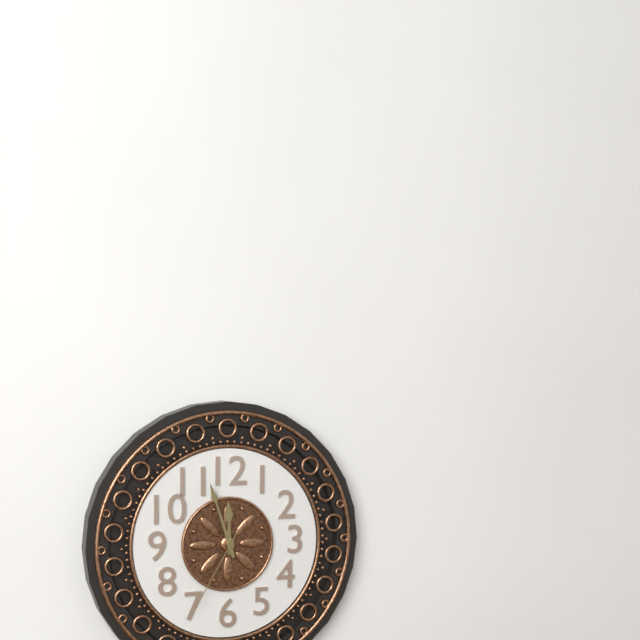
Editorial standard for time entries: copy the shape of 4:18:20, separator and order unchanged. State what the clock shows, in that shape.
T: 11:57:35
